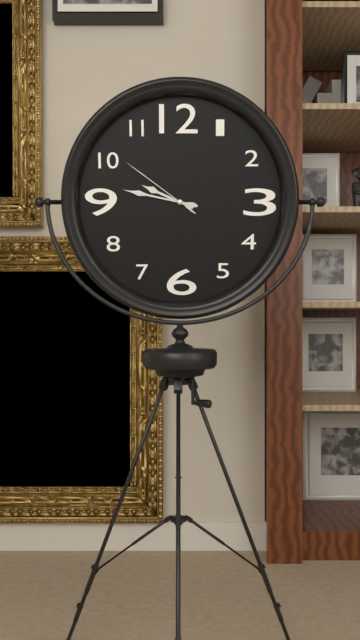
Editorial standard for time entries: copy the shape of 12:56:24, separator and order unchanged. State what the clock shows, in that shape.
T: 9:47:51
